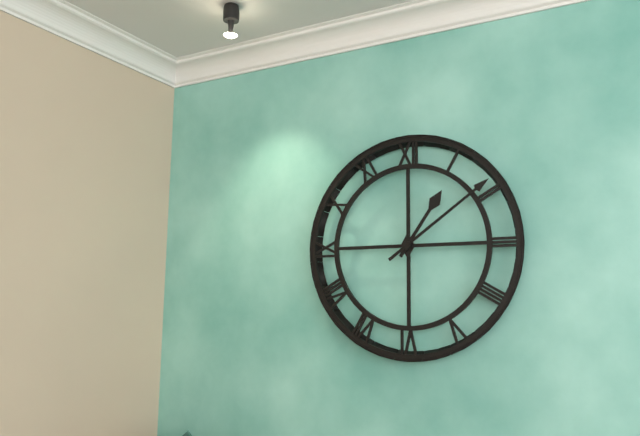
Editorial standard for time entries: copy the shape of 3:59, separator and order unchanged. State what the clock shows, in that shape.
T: 1:09
